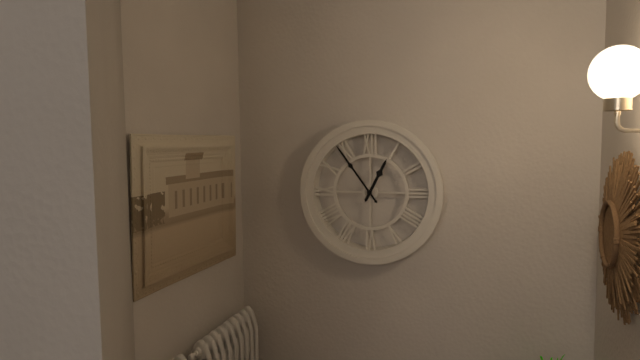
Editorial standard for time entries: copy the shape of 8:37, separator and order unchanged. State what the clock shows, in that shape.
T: 12:54
